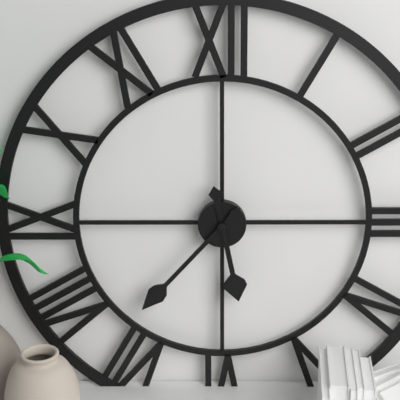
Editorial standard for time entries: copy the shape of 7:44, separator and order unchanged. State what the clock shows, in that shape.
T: 5:37
